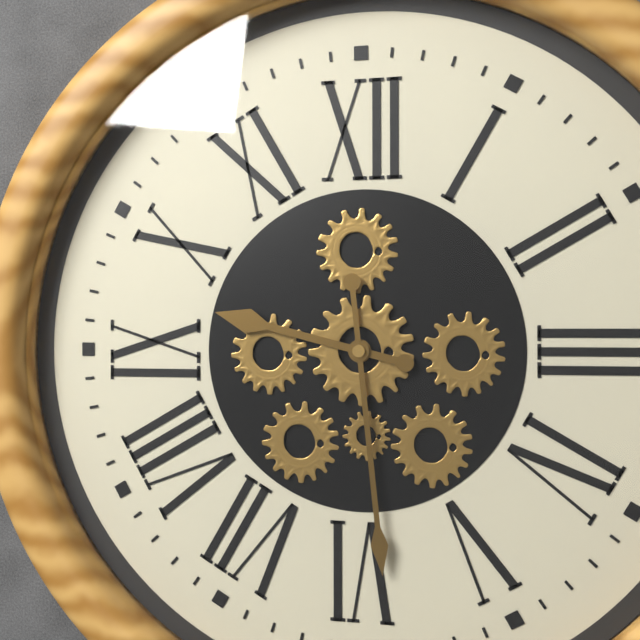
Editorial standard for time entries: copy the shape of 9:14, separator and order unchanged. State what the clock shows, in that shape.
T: 9:29
